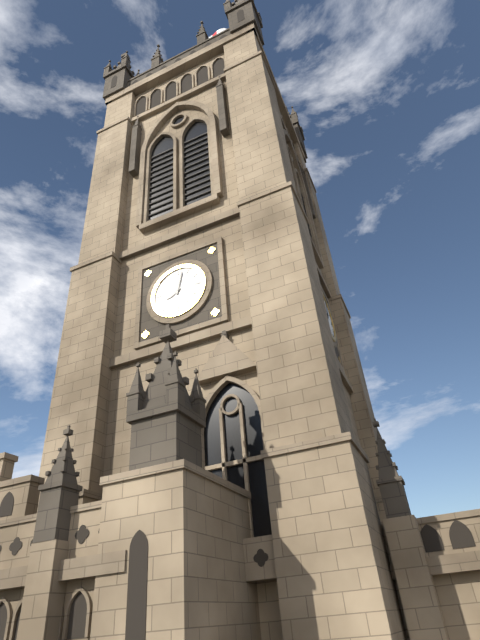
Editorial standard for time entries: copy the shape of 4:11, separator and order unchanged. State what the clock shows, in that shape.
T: 8:02
